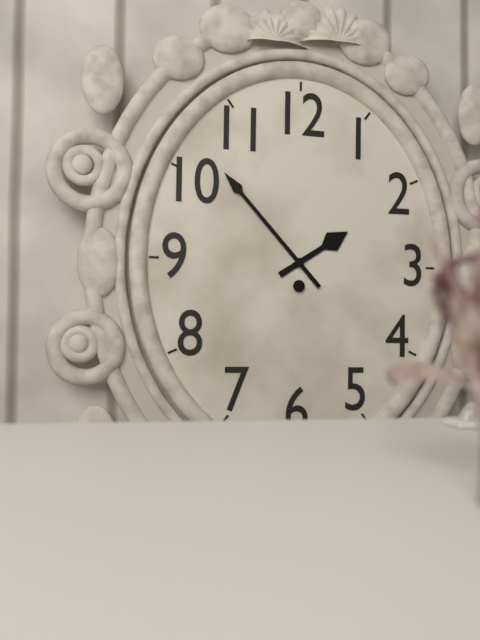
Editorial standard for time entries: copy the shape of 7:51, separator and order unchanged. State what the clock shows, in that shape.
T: 1:53
